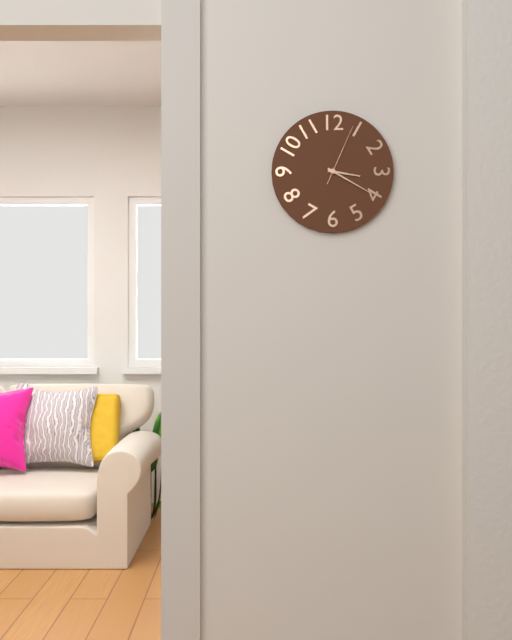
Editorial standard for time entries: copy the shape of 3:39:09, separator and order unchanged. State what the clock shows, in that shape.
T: 3:20:04
